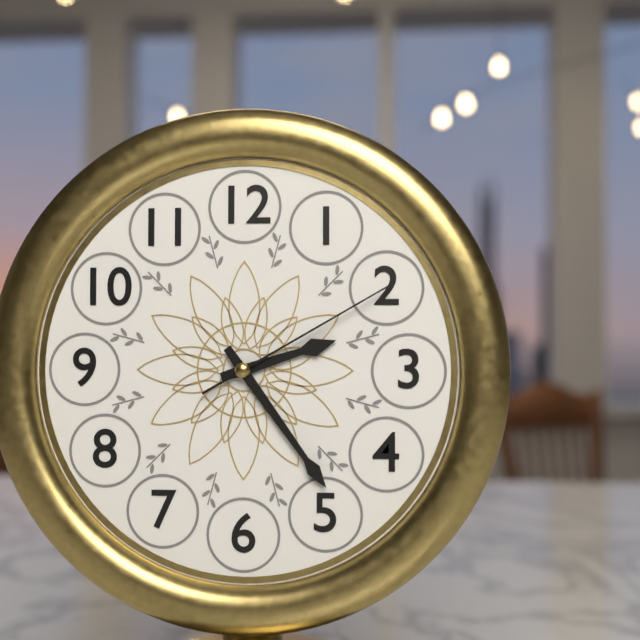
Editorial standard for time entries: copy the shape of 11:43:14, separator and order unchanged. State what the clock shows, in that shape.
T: 2:24:10
